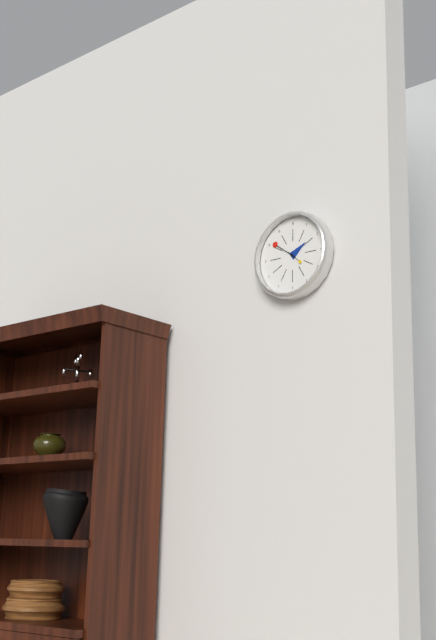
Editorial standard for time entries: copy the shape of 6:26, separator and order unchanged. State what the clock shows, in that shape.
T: 1:51
